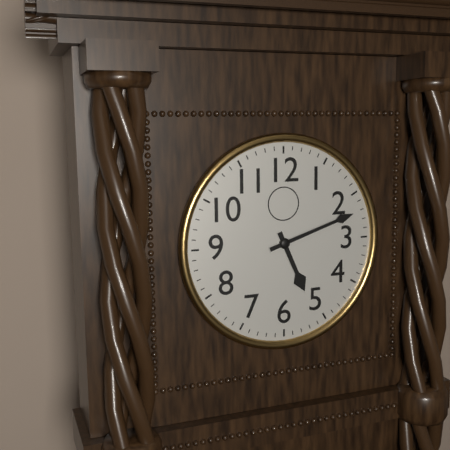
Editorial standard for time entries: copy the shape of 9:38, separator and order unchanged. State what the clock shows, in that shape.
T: 5:12
